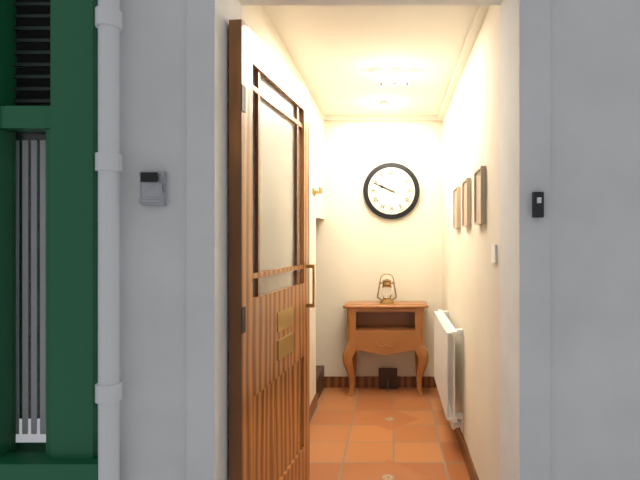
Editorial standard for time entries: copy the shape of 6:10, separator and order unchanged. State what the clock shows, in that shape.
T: 9:49
